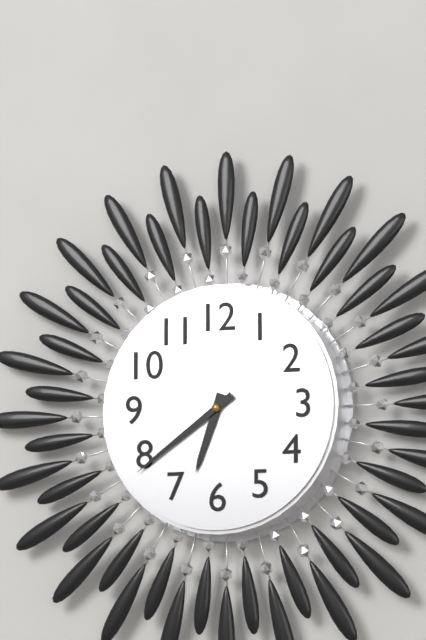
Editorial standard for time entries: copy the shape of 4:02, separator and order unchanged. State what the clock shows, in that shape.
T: 6:39
